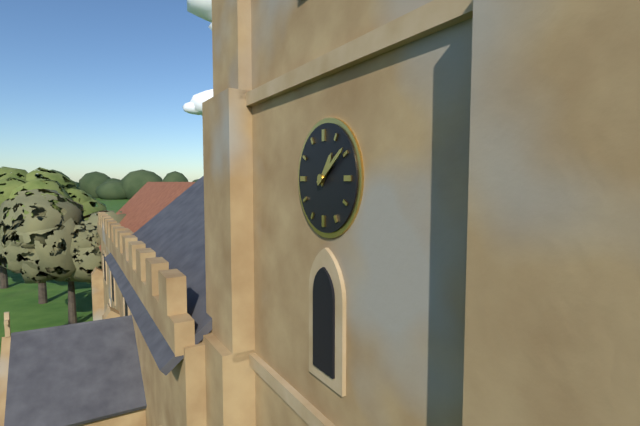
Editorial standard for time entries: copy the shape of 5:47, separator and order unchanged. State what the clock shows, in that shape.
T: 1:09
